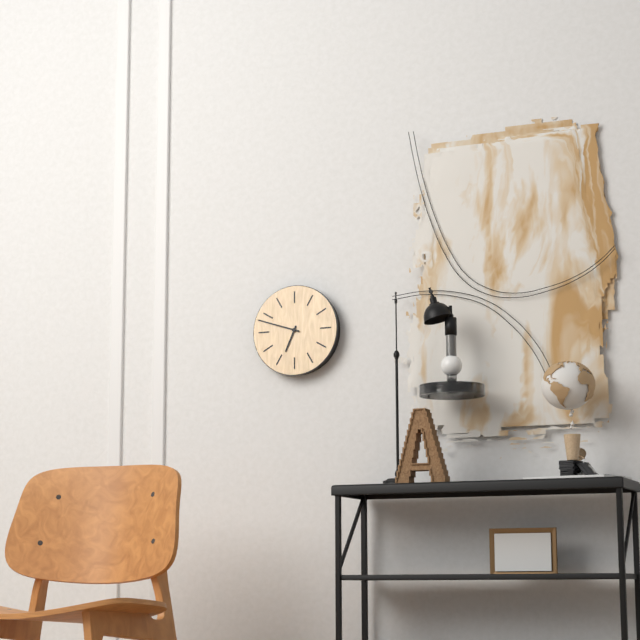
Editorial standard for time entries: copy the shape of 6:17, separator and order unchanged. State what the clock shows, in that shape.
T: 6:48
